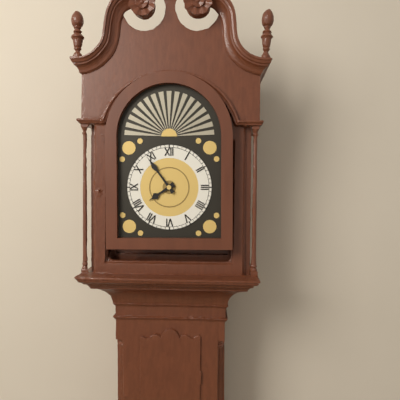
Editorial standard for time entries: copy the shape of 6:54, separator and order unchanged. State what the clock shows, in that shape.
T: 7:54
